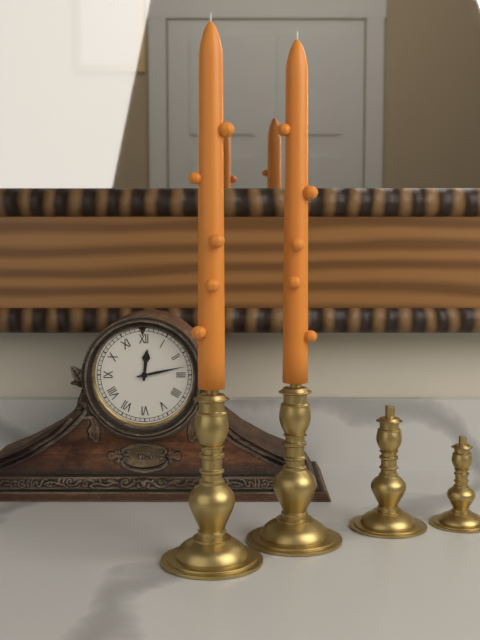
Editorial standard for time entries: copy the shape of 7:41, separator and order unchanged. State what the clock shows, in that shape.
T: 12:13
